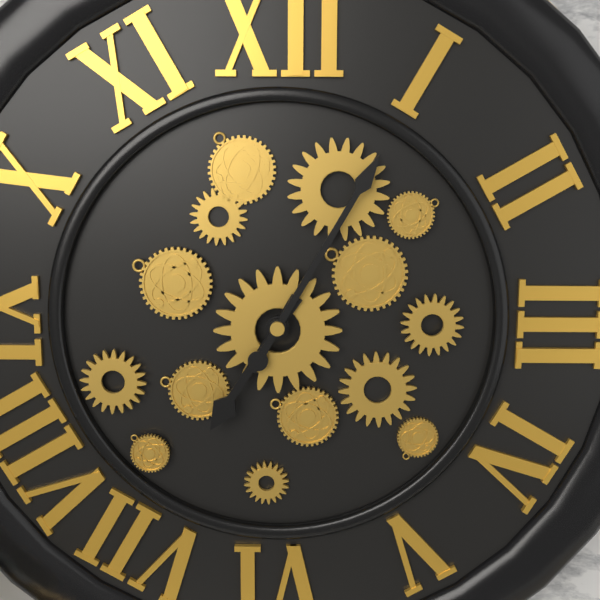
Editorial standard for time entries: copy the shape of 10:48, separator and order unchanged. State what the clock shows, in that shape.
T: 7:05
